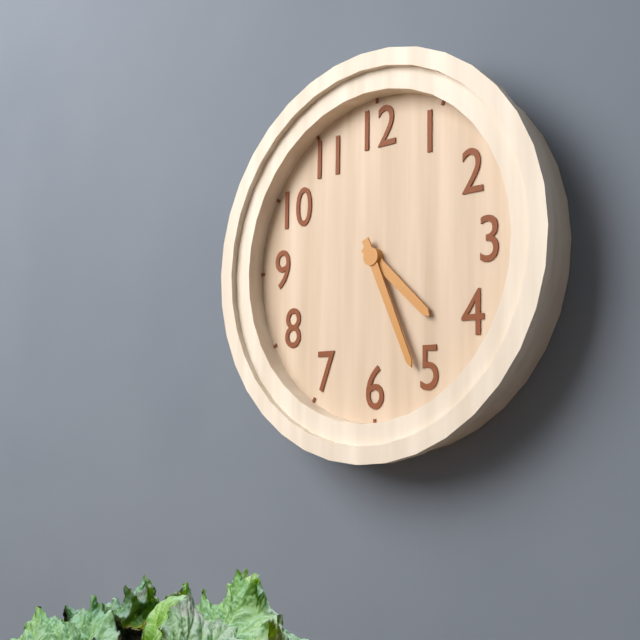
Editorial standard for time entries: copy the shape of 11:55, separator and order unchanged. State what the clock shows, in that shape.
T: 4:26
